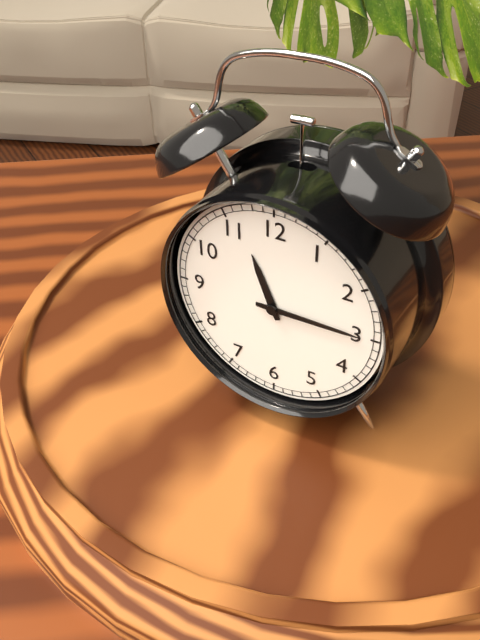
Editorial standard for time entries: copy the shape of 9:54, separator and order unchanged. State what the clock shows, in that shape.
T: 11:15
